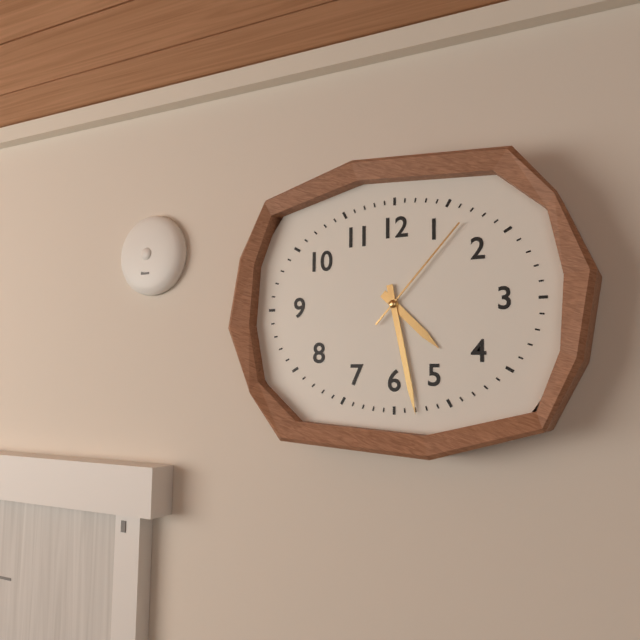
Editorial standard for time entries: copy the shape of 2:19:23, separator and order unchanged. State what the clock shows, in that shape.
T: 4:28:07
